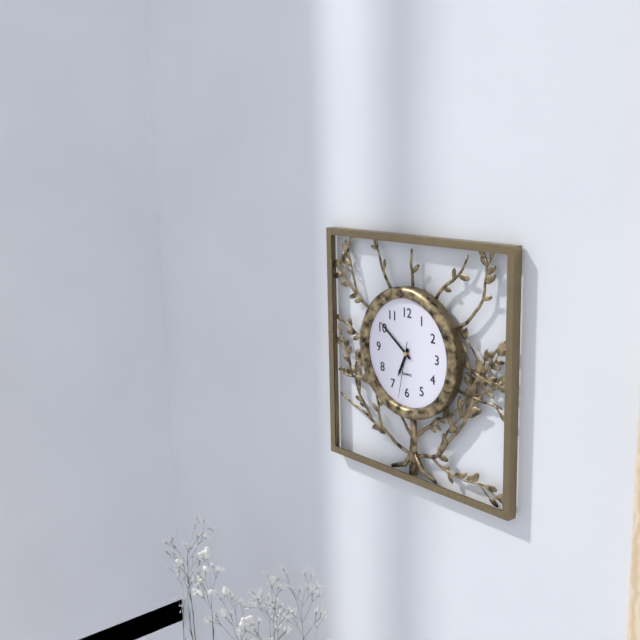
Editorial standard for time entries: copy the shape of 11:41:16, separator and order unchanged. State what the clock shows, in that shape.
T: 6:51:32
